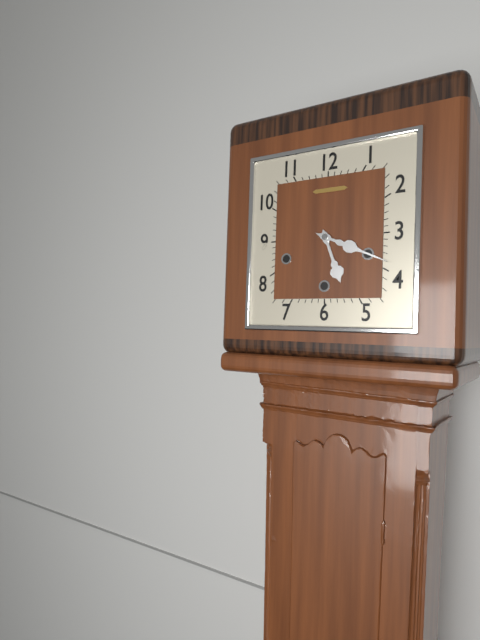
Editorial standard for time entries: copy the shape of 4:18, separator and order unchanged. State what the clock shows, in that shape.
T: 5:19
